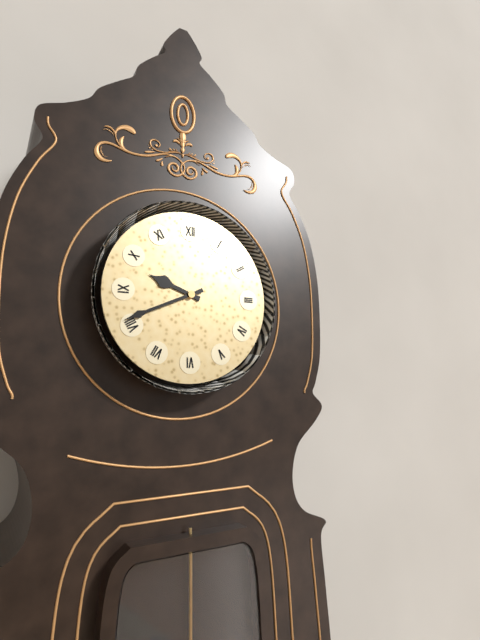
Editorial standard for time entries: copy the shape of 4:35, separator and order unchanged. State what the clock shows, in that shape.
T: 9:41
